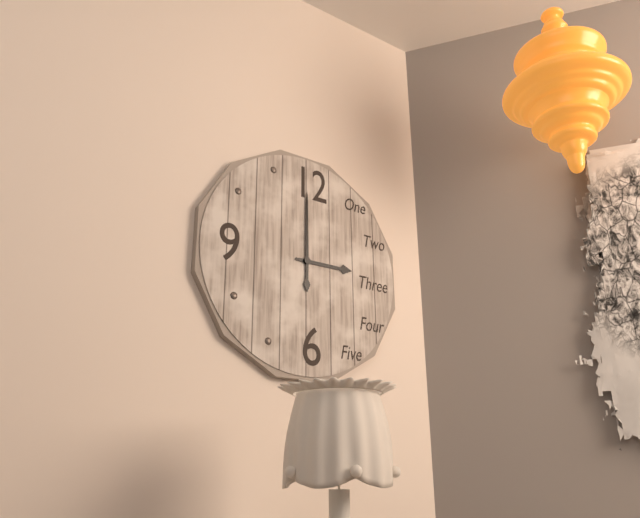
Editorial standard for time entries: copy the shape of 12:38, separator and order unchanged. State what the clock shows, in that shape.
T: 3:00
